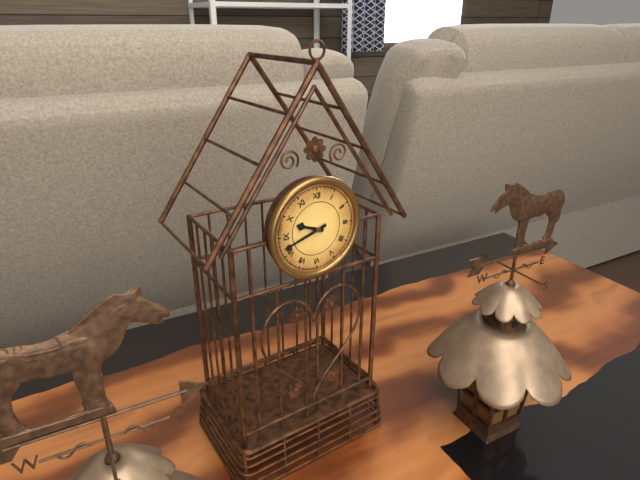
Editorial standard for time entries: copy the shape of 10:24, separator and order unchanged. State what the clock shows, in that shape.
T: 9:42
